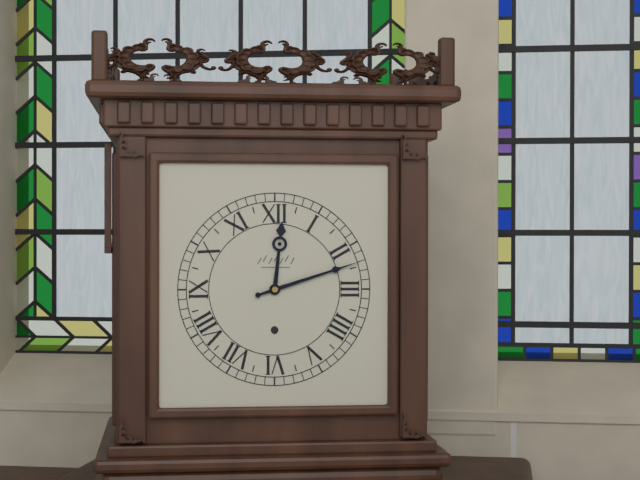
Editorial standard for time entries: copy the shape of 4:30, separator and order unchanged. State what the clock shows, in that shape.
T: 12:12
